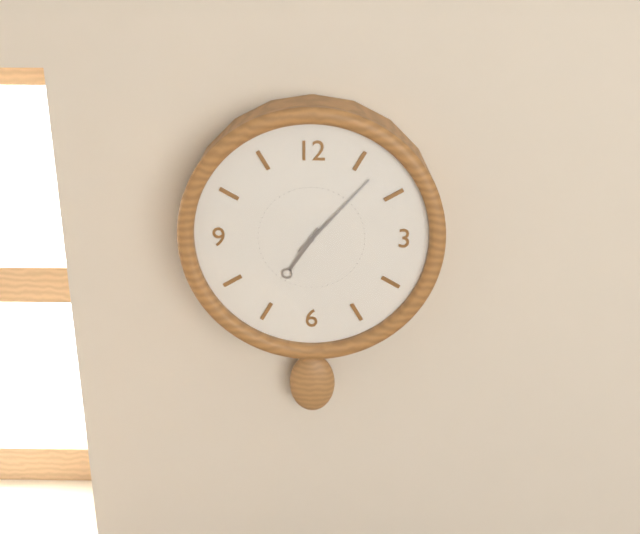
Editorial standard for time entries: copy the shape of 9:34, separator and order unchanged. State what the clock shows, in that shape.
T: 7:07
